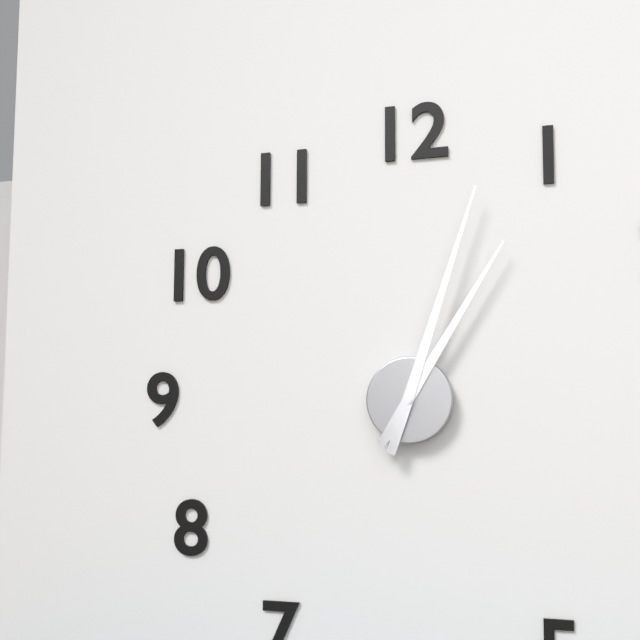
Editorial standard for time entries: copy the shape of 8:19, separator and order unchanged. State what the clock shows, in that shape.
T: 1:03
